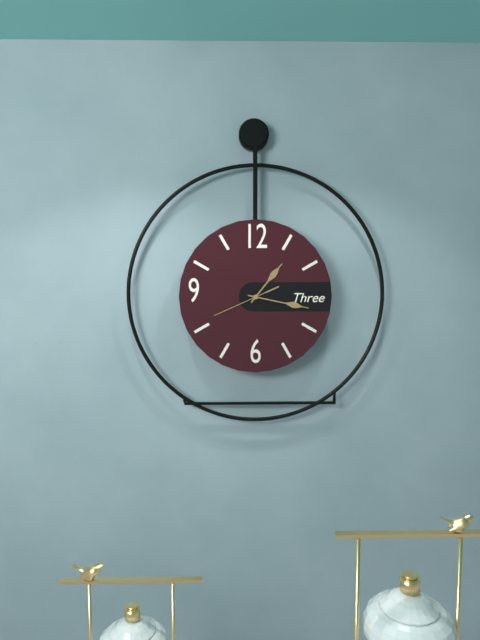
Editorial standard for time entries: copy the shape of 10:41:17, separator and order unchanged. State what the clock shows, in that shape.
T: 1:17:41
